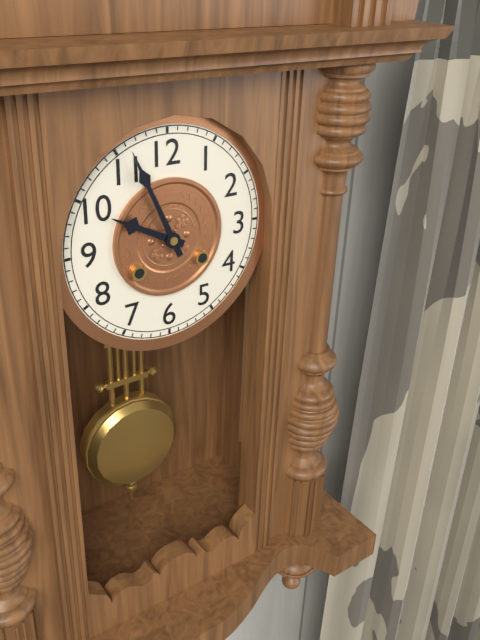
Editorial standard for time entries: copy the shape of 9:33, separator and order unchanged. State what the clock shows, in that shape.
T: 9:56
